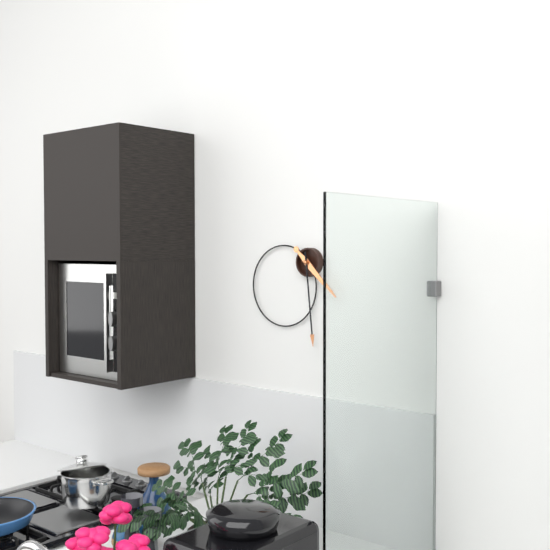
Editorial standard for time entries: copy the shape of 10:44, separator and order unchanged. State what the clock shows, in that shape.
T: 4:29
